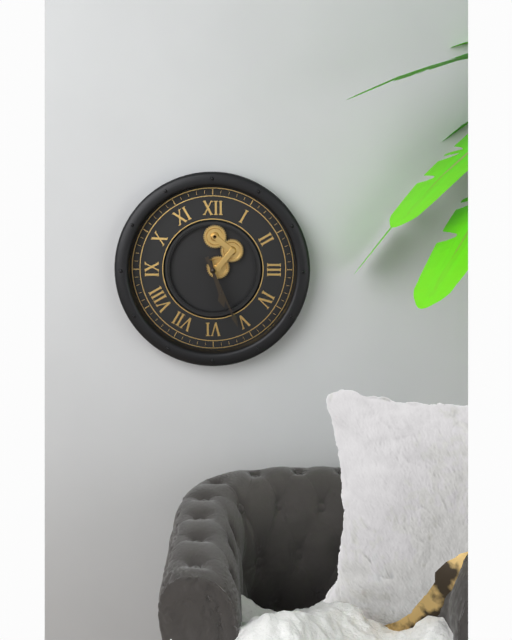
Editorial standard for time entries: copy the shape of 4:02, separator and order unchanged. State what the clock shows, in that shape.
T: 5:26
